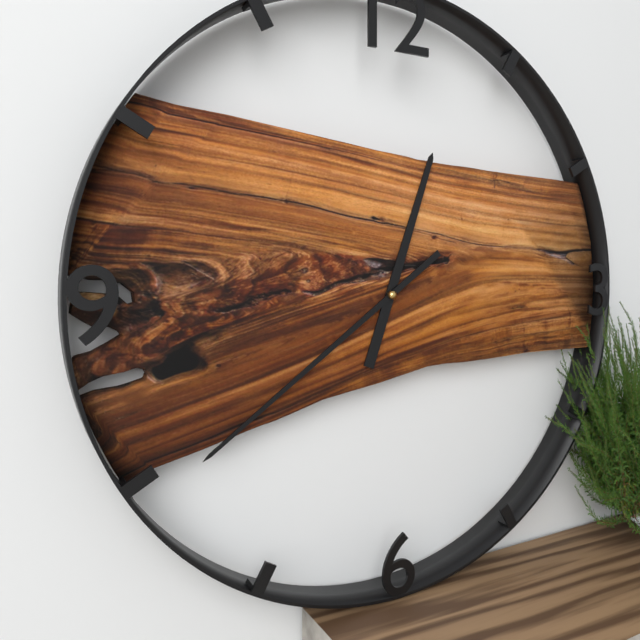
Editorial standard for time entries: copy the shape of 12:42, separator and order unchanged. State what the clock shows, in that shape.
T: 12:39
